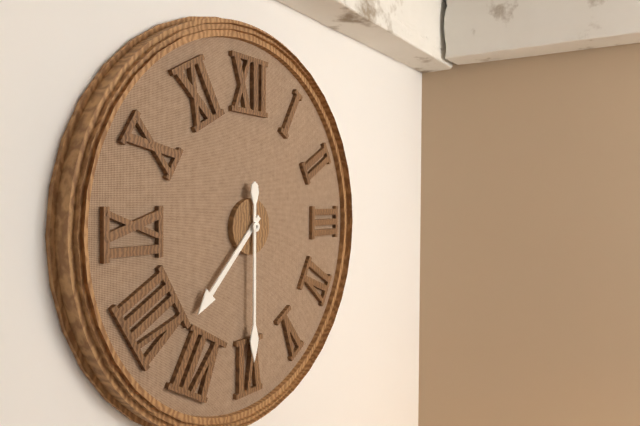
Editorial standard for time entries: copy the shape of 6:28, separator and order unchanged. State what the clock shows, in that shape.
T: 7:30
